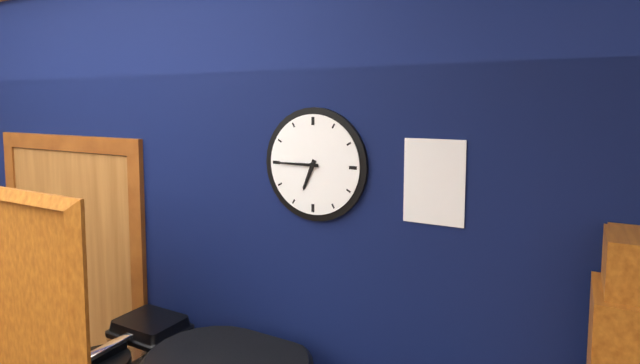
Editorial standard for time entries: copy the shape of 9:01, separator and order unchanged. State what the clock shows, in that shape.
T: 6:45
